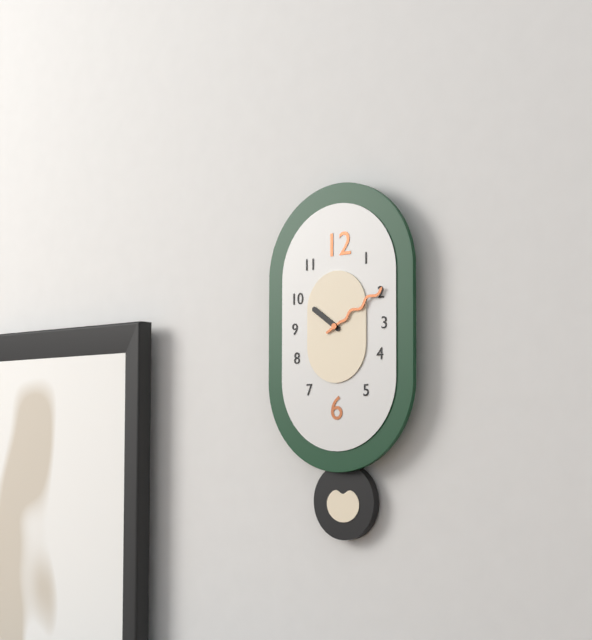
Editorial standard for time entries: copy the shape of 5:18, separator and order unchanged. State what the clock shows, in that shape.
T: 10:10
